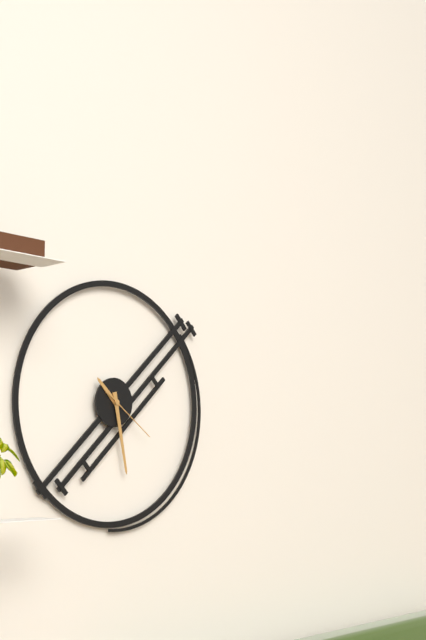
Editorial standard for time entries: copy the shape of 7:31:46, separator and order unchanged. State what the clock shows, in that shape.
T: 10:28:21
